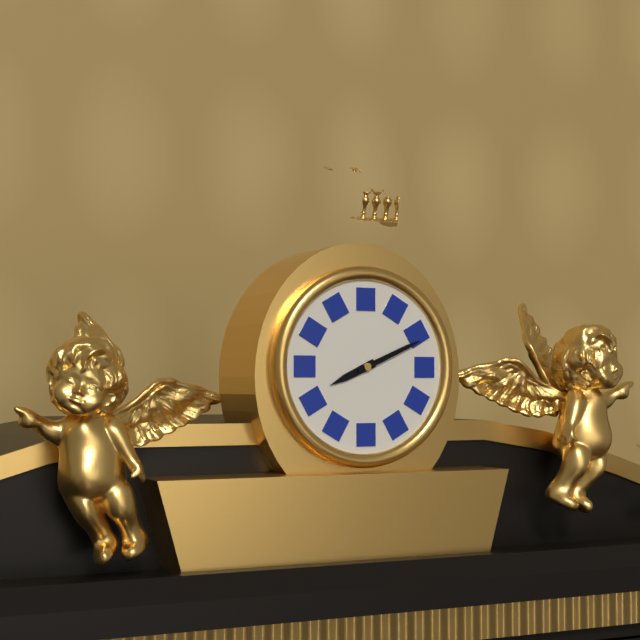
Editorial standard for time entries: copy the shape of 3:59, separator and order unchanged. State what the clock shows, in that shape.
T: 8:11
